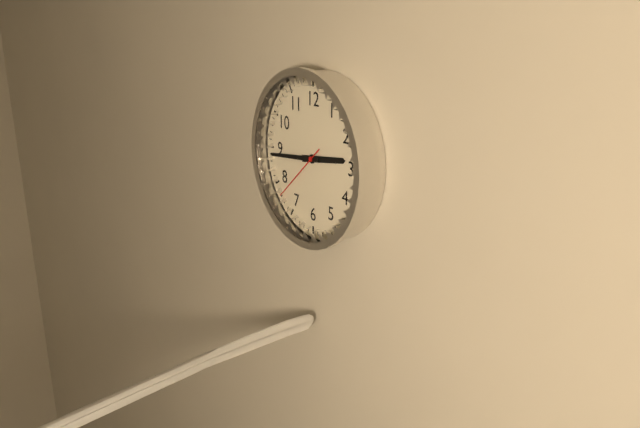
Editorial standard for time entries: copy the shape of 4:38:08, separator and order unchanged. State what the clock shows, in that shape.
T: 2:44:38
